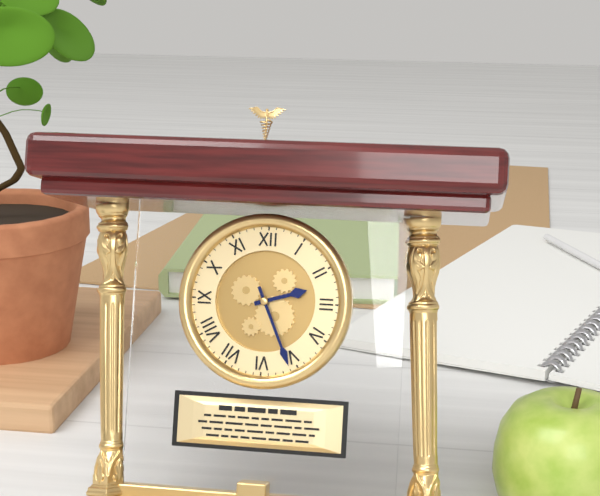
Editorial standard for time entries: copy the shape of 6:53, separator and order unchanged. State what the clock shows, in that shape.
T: 2:26
